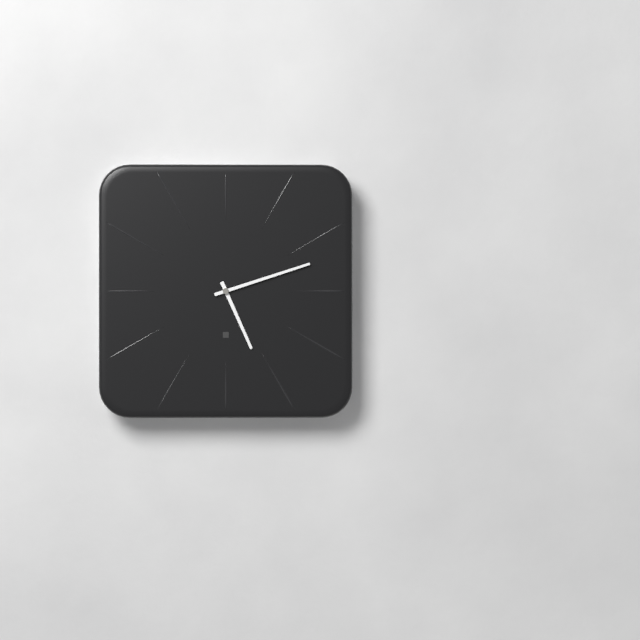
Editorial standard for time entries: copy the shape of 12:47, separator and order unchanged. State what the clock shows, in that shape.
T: 5:12
